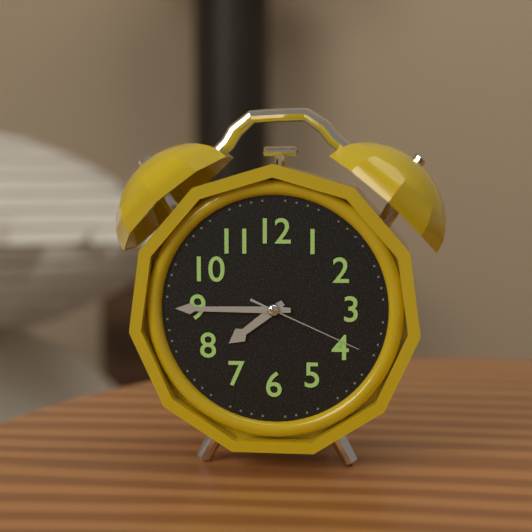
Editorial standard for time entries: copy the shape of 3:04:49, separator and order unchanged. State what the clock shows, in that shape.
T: 7:45:19
